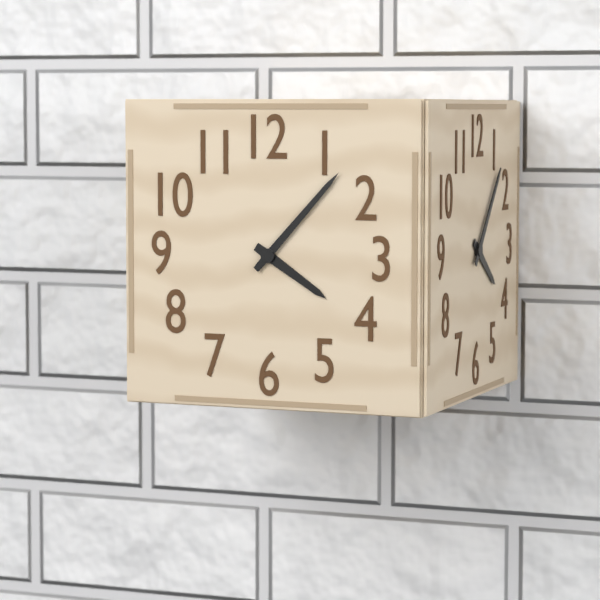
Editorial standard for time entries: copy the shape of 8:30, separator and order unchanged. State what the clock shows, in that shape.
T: 4:07
